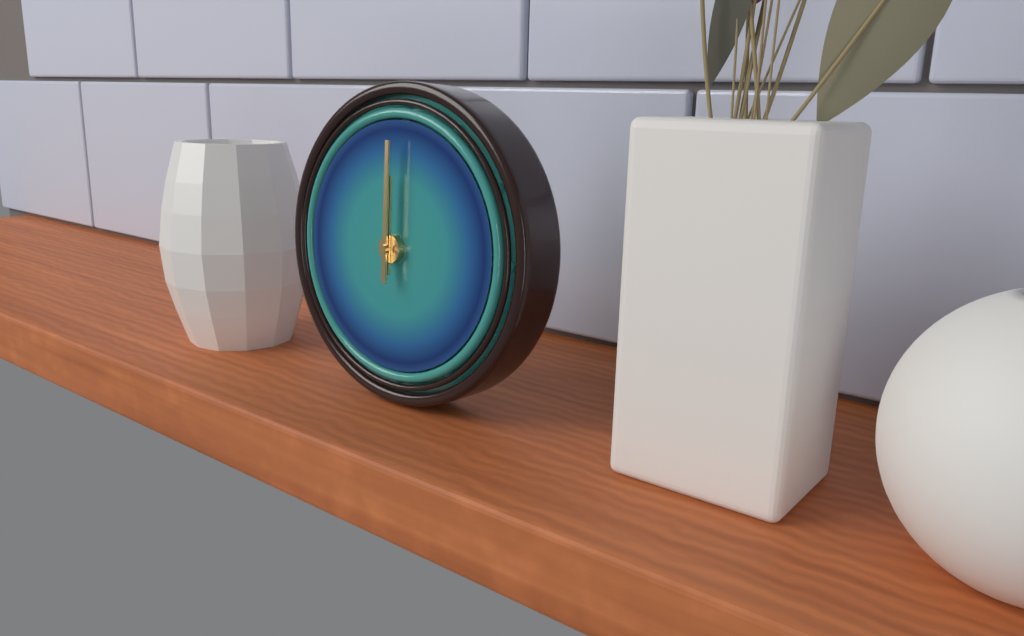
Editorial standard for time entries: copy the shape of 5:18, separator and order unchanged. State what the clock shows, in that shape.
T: 12:00
